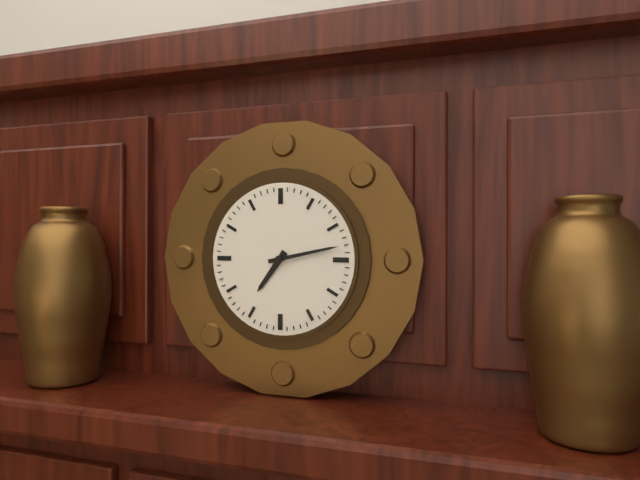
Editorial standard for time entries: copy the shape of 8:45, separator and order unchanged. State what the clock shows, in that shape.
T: 7:13
